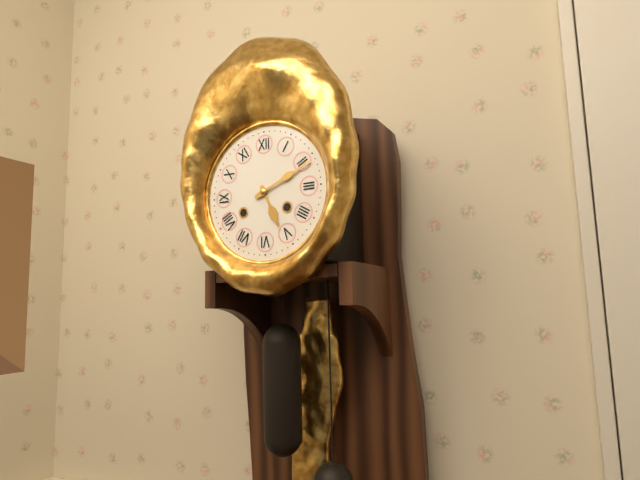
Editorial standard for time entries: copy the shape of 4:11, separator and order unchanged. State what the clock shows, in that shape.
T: 5:11
